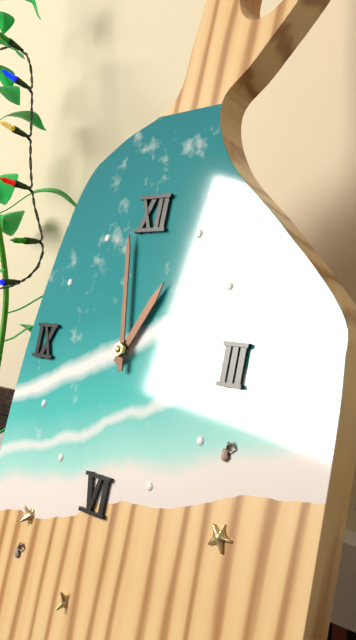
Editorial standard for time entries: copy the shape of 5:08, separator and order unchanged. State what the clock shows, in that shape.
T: 12:58
